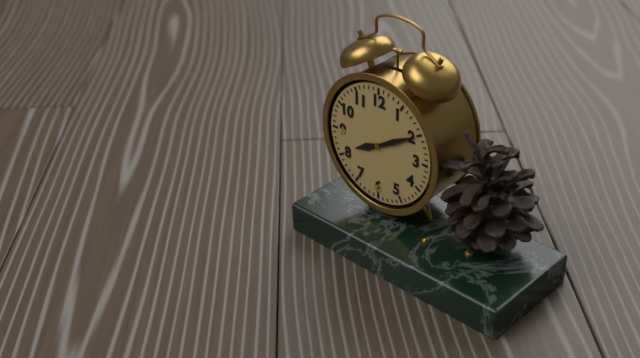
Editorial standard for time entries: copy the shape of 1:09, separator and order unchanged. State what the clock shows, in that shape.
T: 8:10
